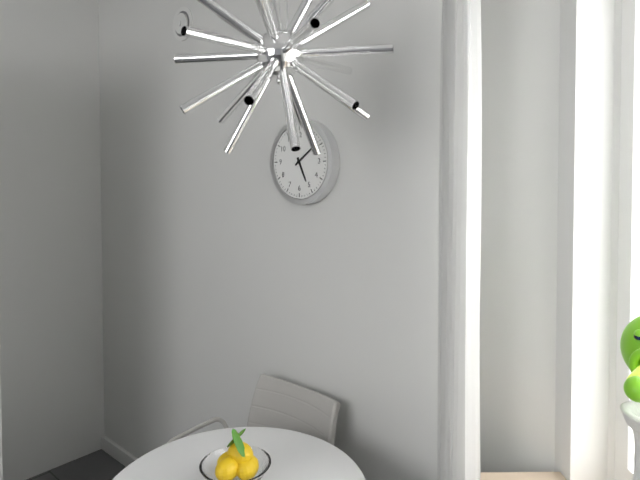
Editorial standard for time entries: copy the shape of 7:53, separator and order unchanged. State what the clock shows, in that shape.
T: 5:09
